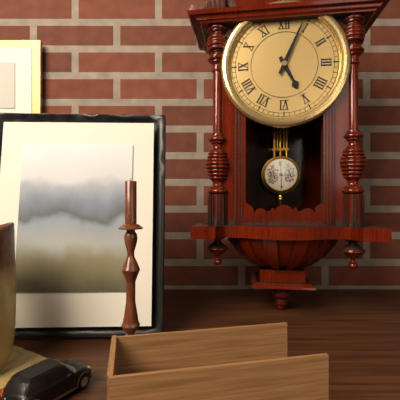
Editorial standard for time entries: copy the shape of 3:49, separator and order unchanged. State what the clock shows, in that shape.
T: 5:04
